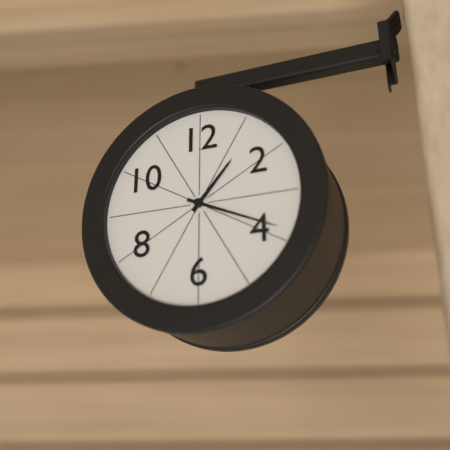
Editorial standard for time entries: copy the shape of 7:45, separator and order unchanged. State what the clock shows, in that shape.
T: 1:19
